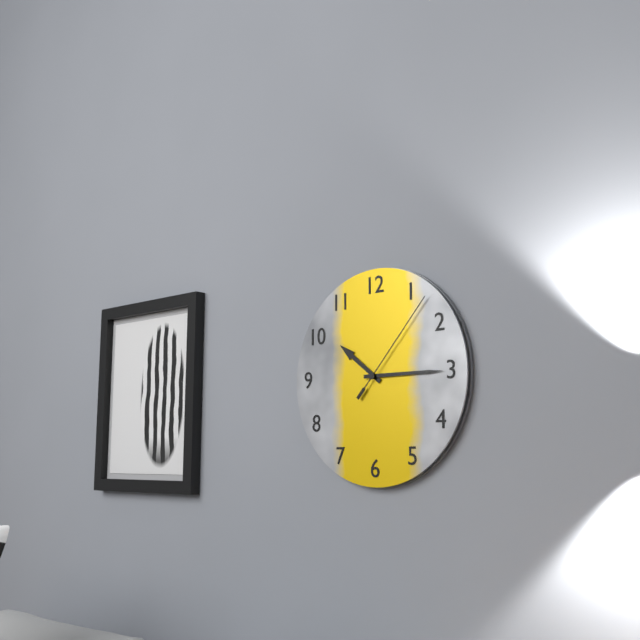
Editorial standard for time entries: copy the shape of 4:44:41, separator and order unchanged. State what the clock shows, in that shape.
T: 10:15:07
